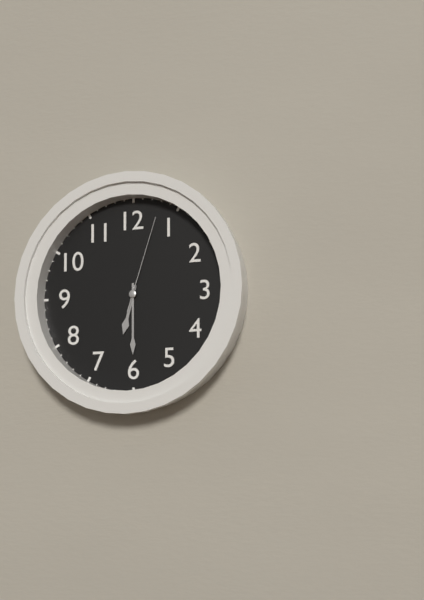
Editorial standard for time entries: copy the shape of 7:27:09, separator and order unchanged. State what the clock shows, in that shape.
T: 6:30:03
